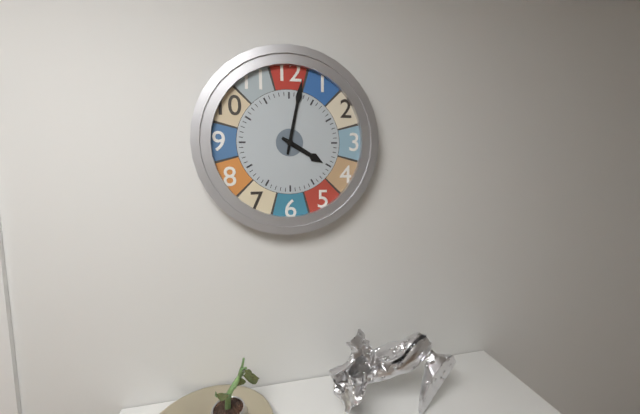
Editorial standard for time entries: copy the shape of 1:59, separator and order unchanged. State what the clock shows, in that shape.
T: 4:02
